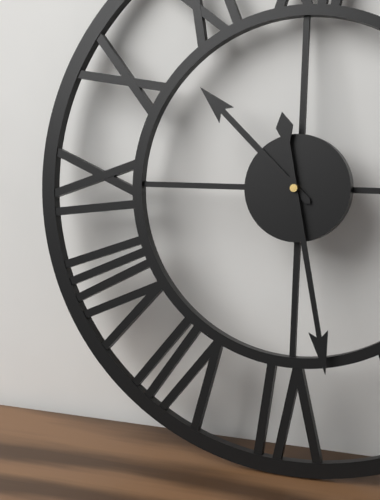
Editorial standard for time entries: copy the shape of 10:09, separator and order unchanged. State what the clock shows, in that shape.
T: 10:28
